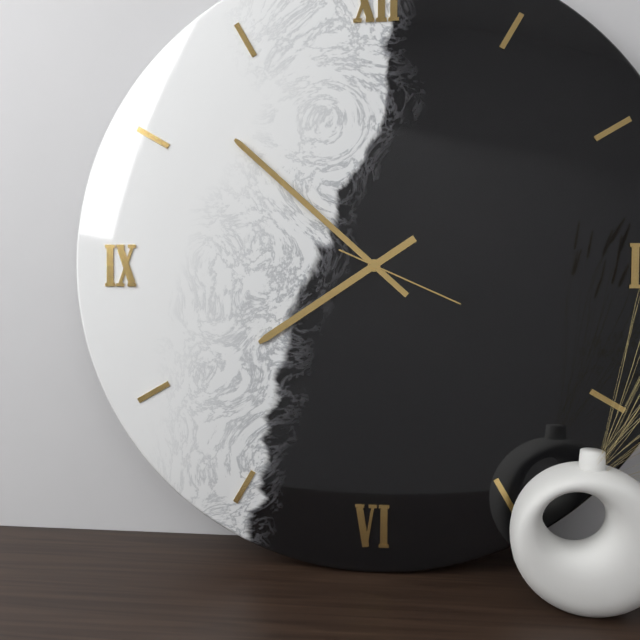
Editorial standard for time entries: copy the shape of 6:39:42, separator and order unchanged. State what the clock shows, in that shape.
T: 7:52:19
